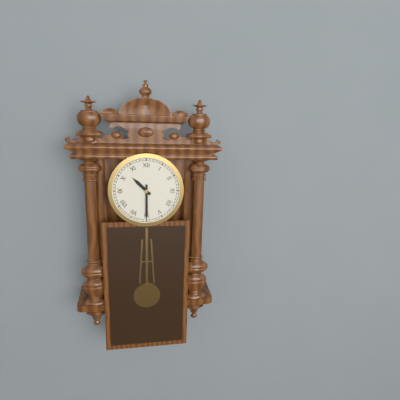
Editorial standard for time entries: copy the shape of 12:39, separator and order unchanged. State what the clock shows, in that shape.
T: 10:30
